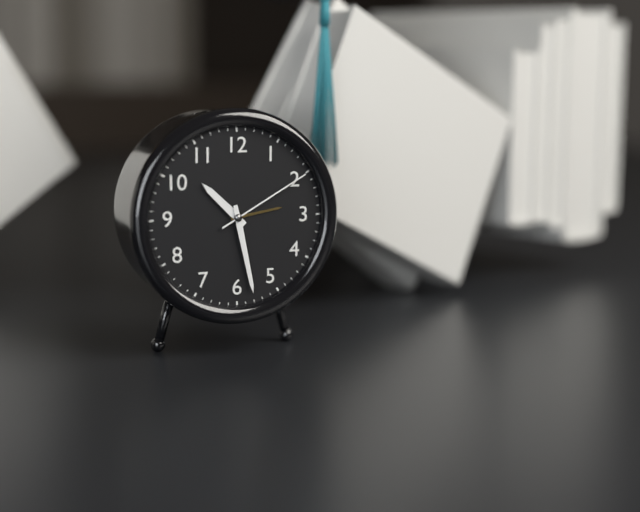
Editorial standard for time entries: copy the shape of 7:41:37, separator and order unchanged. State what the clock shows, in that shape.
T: 10:28:10
